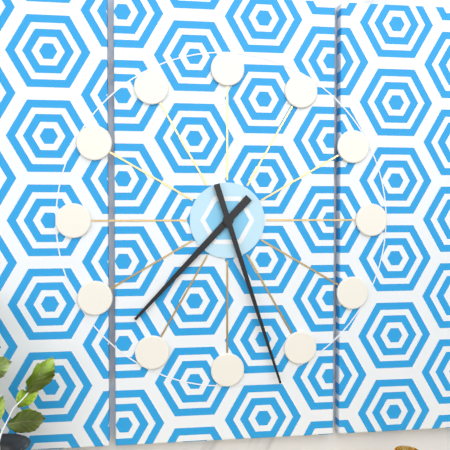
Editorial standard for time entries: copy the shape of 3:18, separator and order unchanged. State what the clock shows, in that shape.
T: 7:27
